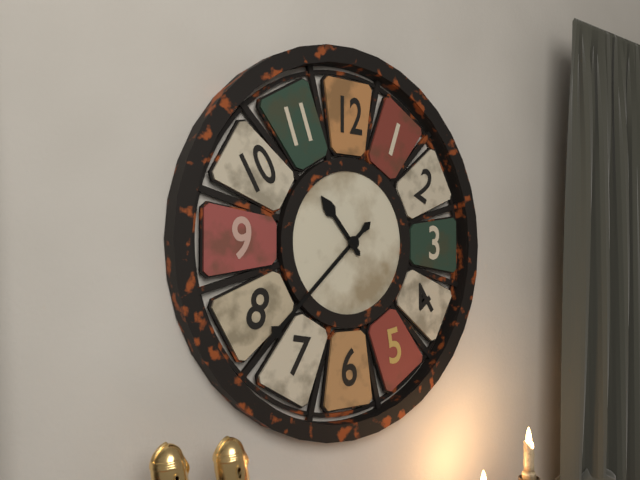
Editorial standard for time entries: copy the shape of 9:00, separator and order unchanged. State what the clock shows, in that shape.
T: 10:38
